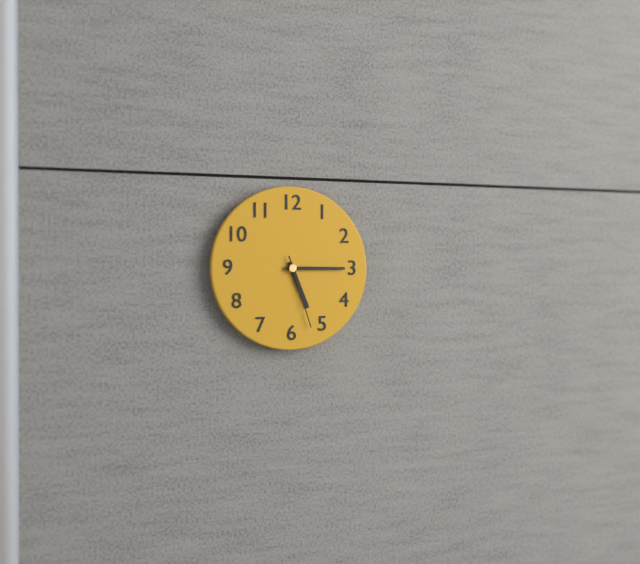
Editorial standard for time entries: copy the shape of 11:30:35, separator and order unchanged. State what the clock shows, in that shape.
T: 5:15:27
